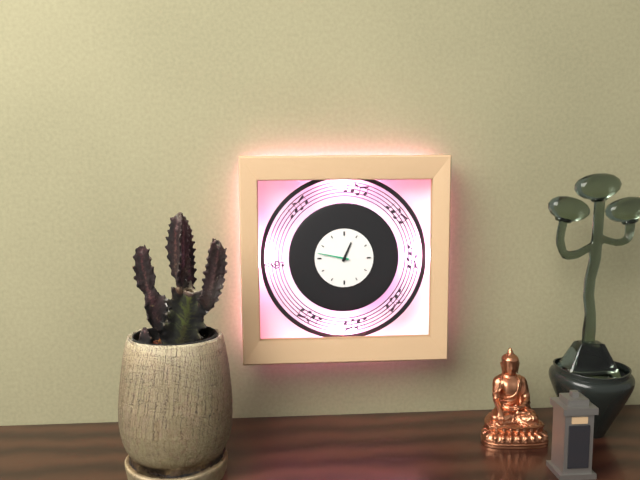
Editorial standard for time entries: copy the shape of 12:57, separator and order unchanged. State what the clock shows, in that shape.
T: 12:47
